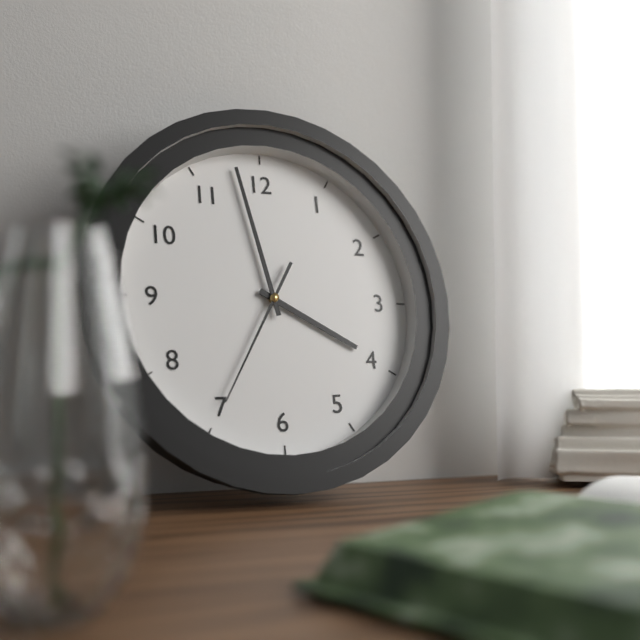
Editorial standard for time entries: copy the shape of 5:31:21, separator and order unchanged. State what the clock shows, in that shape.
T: 3:58:35
